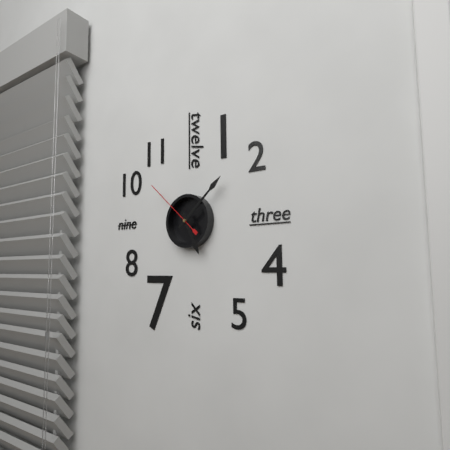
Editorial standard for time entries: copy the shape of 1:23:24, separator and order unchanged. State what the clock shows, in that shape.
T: 5:08:52
